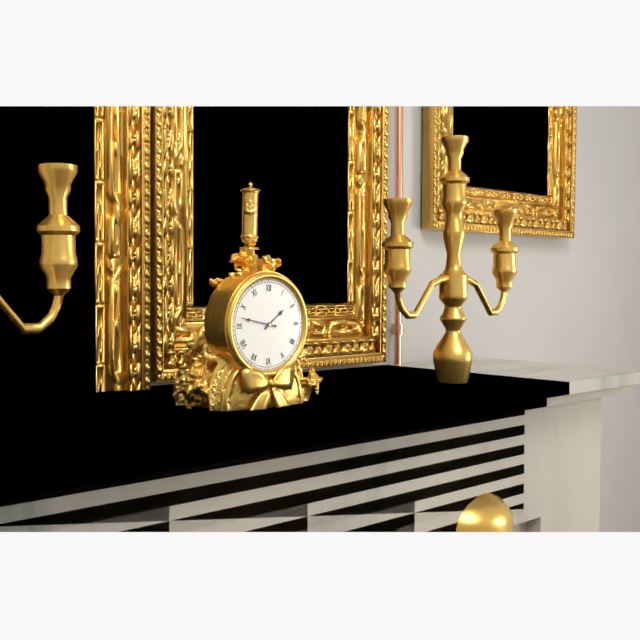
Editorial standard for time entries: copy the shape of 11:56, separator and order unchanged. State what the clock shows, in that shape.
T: 1:47
